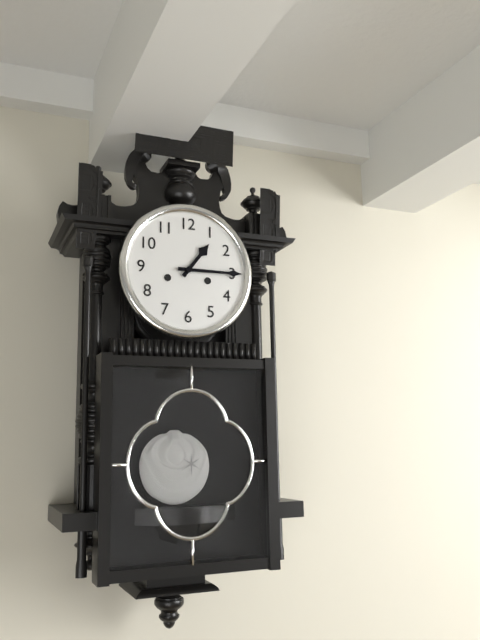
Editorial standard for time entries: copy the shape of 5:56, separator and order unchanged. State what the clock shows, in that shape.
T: 1:15
